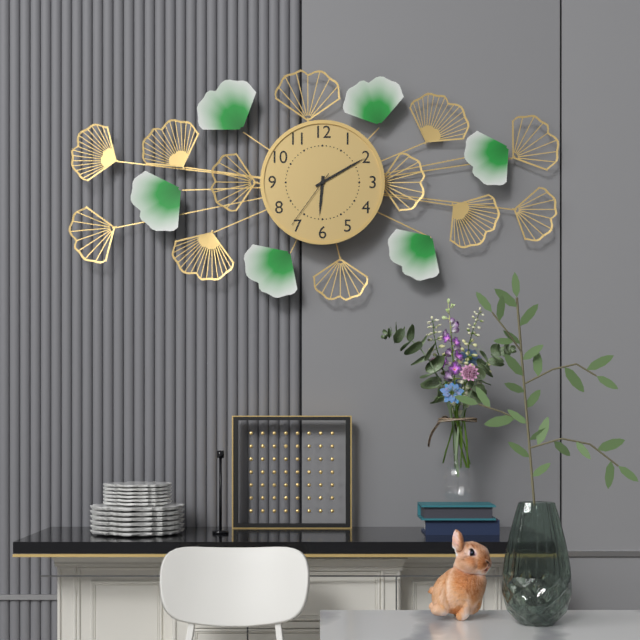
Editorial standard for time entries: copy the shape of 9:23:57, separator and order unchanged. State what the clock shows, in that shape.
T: 6:10:36
